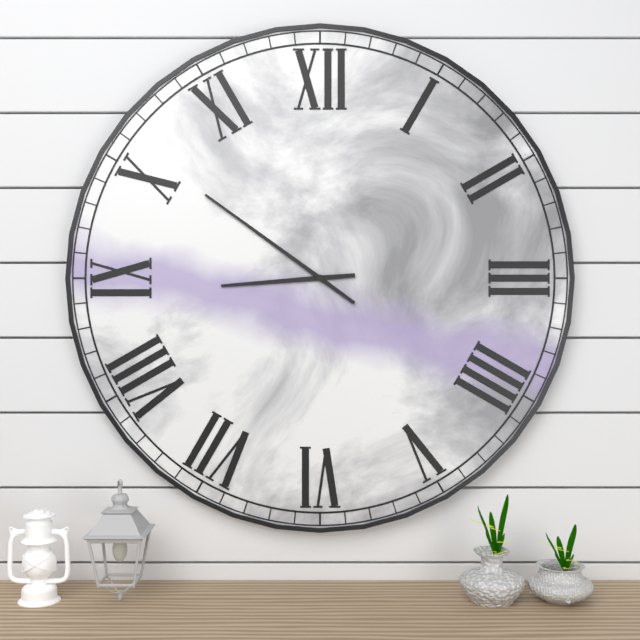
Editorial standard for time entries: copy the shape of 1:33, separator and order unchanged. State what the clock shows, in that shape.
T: 8:51
